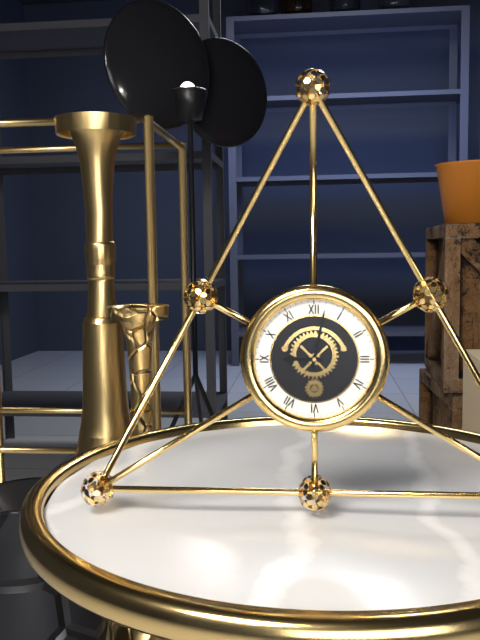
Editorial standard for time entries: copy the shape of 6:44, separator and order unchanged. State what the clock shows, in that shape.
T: 9:02
